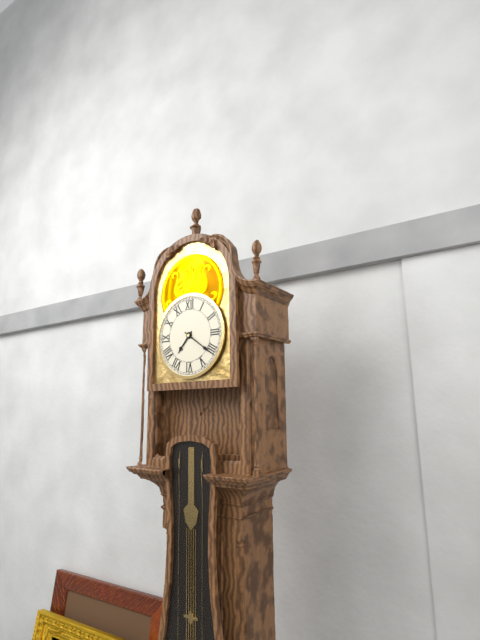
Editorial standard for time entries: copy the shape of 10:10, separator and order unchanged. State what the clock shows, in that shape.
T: 7:21
